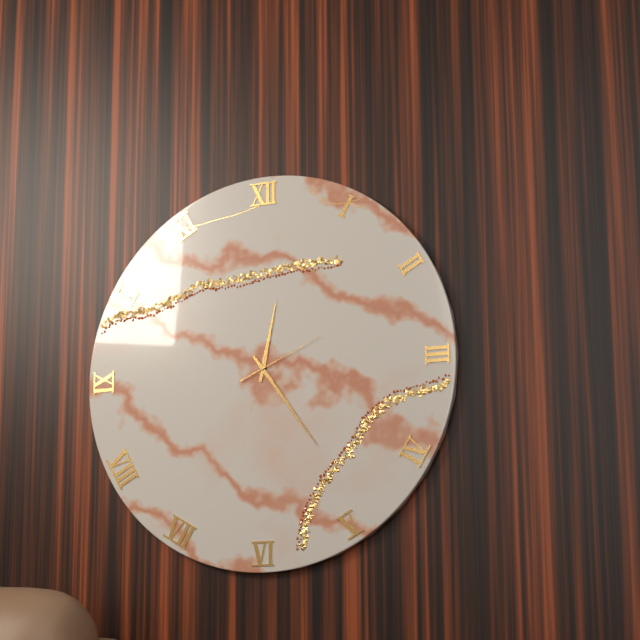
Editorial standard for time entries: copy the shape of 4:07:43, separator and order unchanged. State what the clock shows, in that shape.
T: 12:24:11
